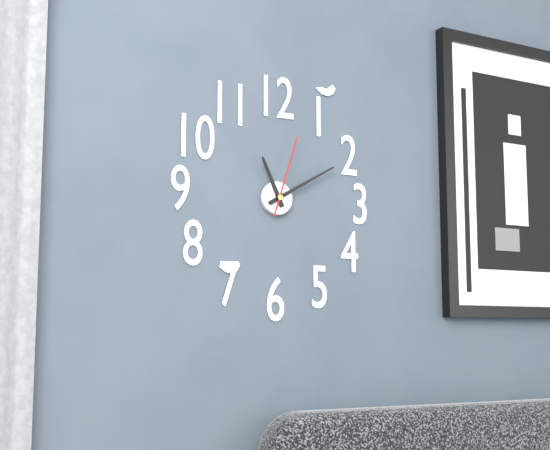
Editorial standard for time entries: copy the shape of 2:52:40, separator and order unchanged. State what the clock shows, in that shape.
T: 11:10:03
